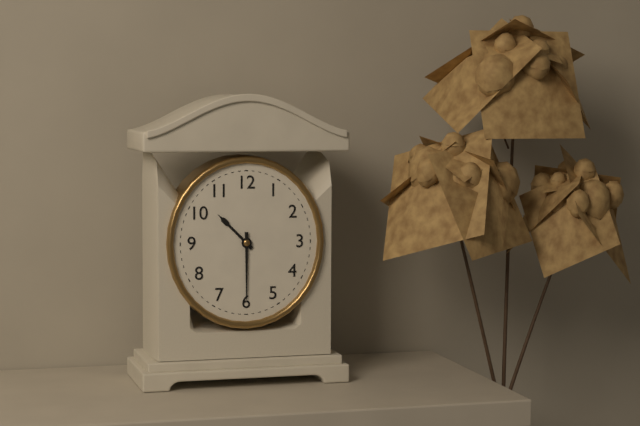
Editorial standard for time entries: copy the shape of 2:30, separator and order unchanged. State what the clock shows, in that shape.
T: 10:30
